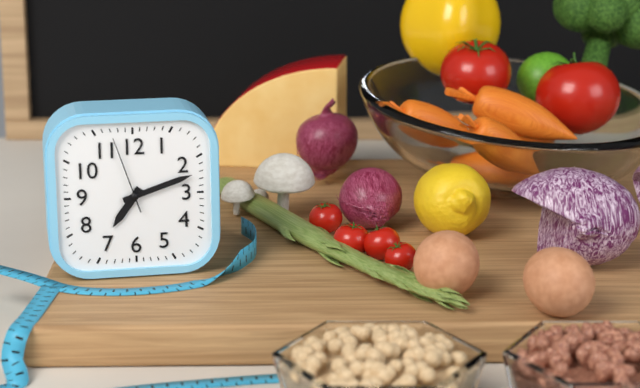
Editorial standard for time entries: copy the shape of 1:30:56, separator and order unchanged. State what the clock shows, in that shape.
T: 7:12:57
